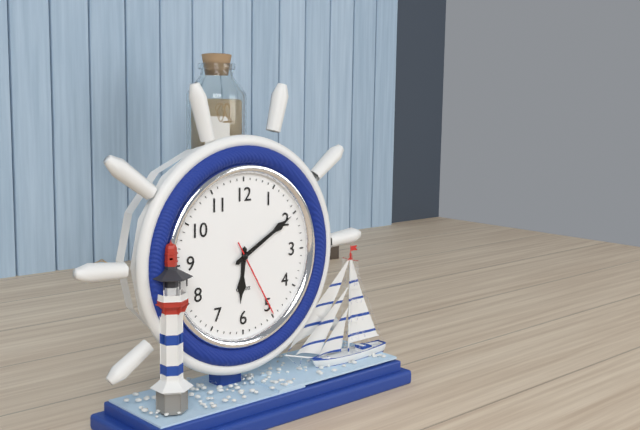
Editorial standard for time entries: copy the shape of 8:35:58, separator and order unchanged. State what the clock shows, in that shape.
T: 6:10:25
